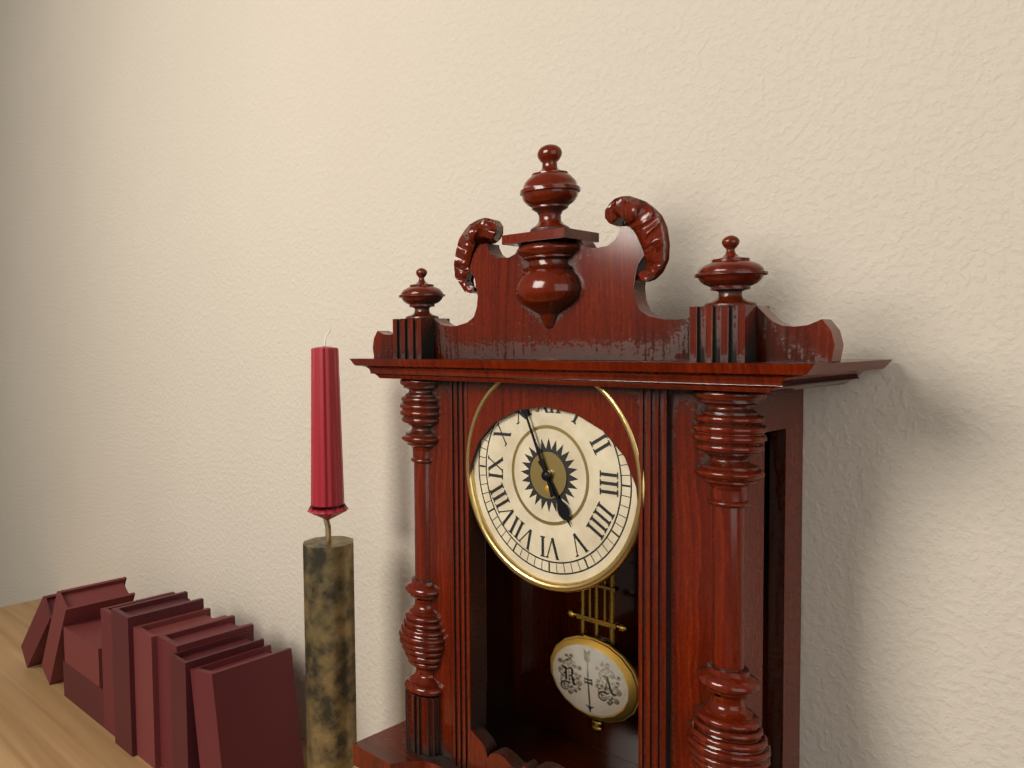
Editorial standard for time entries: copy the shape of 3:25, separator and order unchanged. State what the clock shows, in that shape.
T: 4:56
